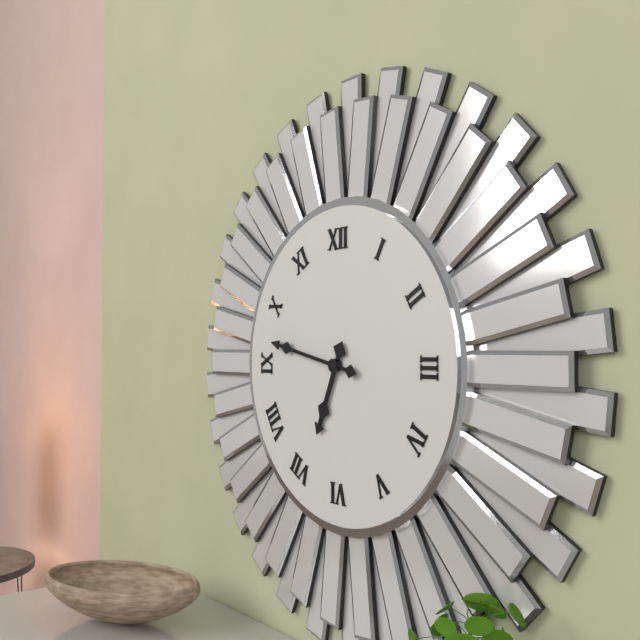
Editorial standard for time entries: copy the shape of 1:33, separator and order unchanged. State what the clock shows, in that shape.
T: 6:47
